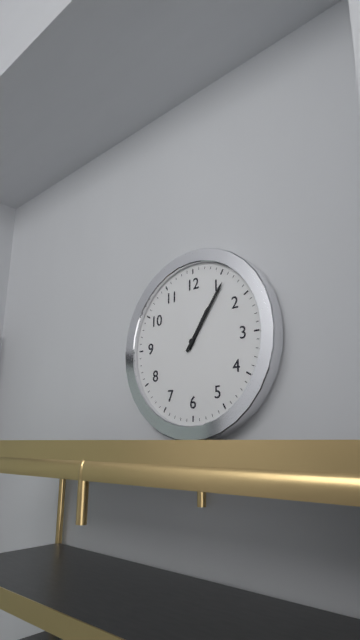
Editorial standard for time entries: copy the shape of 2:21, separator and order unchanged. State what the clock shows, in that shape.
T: 1:06
